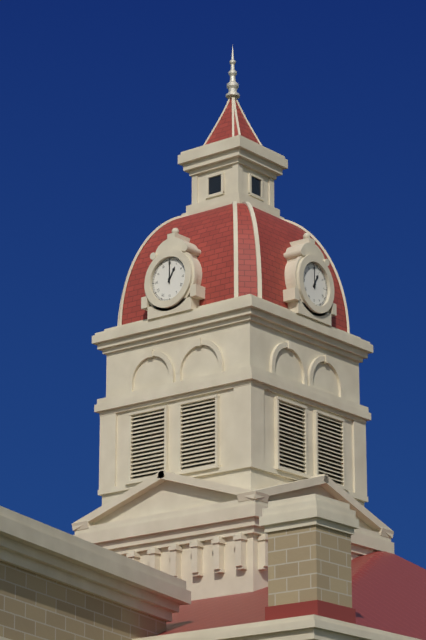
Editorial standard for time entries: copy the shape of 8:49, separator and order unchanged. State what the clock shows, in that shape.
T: 1:00
